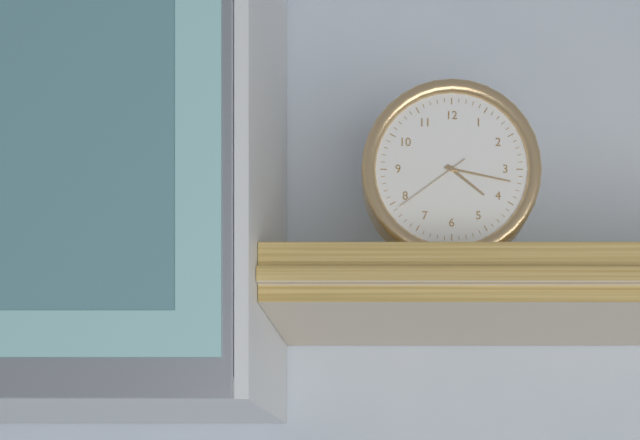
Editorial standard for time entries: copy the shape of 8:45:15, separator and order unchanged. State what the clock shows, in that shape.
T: 4:17:39
